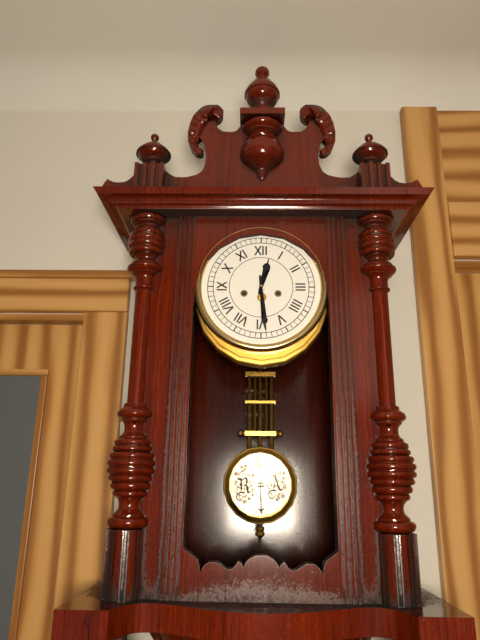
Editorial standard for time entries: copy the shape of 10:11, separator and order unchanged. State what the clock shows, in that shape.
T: 12:29
